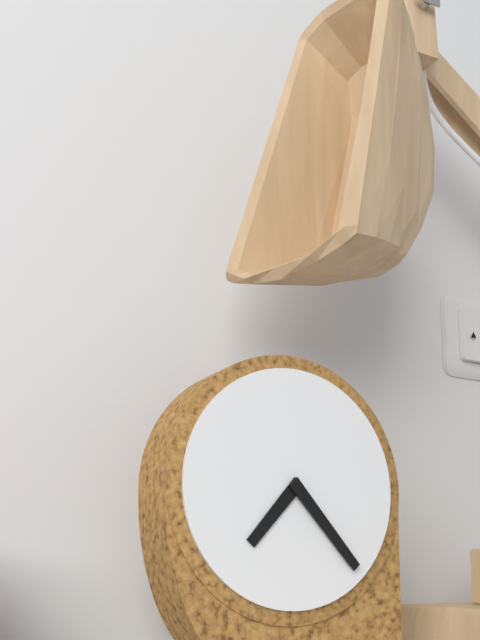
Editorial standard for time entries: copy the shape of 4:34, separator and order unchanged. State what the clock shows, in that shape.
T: 7:23
